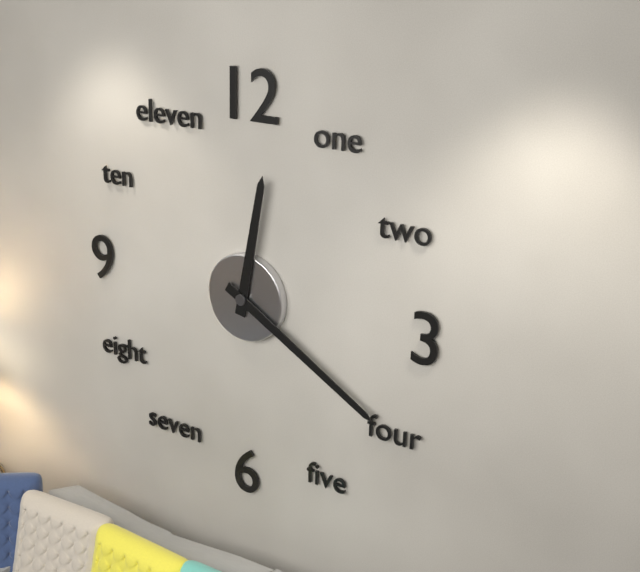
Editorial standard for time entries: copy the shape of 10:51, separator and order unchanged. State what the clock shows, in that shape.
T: 12:20
